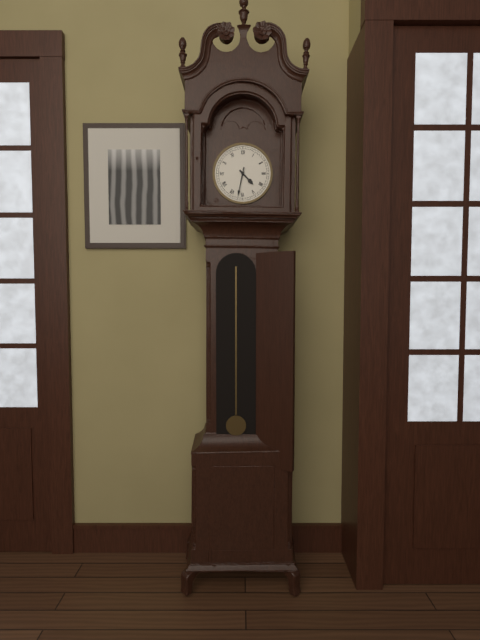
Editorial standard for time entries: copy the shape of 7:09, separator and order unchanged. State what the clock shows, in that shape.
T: 4:32
